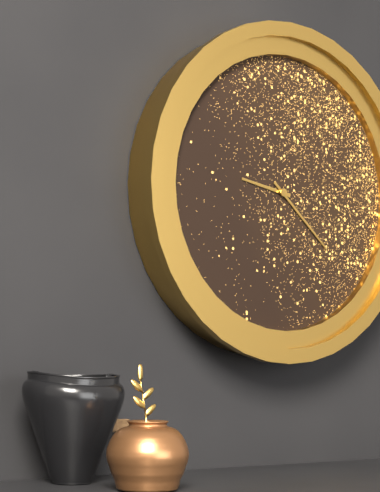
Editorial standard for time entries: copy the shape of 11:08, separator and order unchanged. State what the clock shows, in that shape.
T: 9:22
